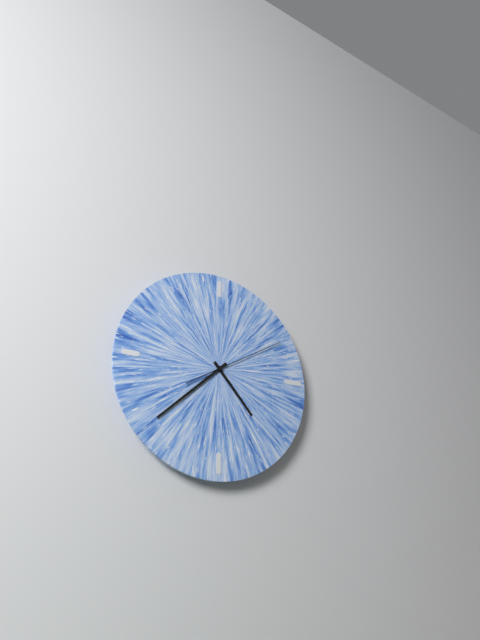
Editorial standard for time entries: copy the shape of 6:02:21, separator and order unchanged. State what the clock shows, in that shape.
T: 4:38:10
